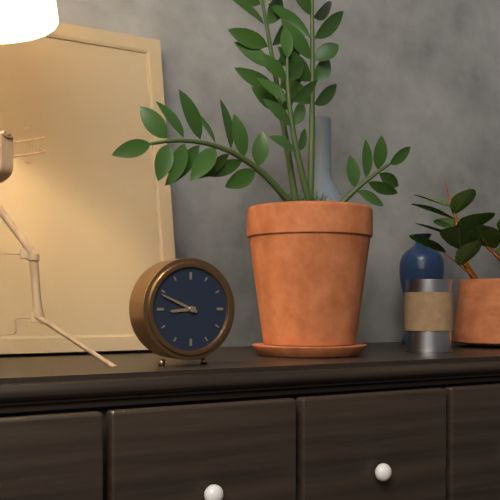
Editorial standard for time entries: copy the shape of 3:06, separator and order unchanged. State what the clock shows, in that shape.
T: 8:49
